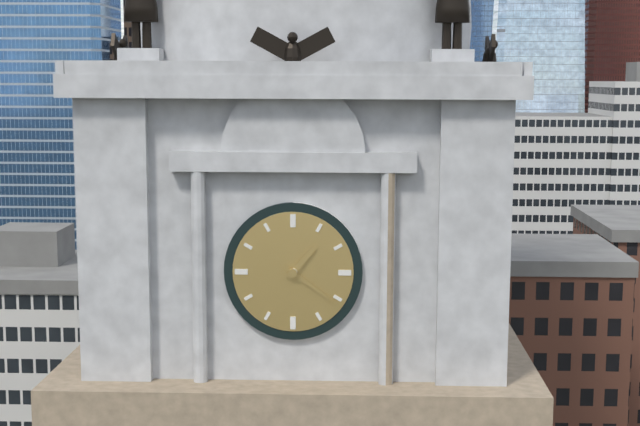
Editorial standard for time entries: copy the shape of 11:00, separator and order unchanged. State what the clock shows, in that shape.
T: 1:21
